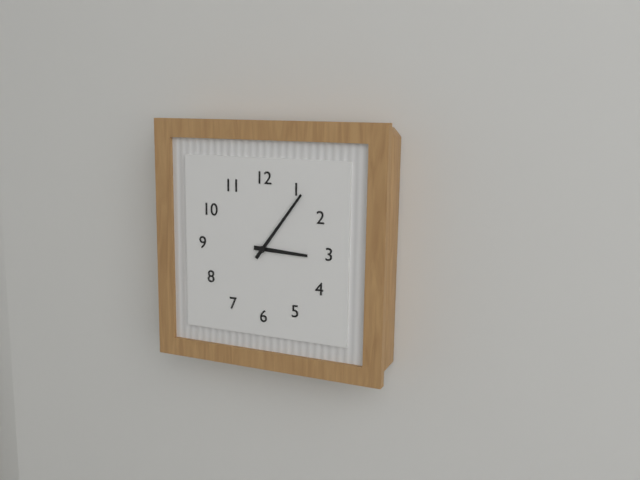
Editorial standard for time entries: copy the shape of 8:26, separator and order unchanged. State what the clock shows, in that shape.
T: 3:06
